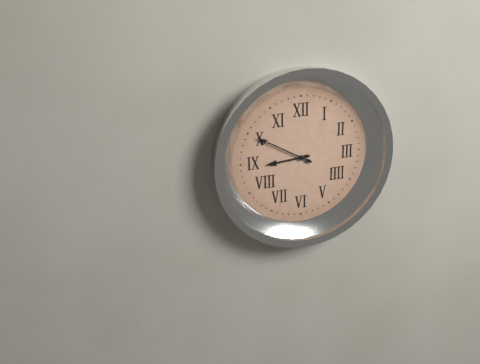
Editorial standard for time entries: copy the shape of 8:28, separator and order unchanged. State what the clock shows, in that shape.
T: 8:50
